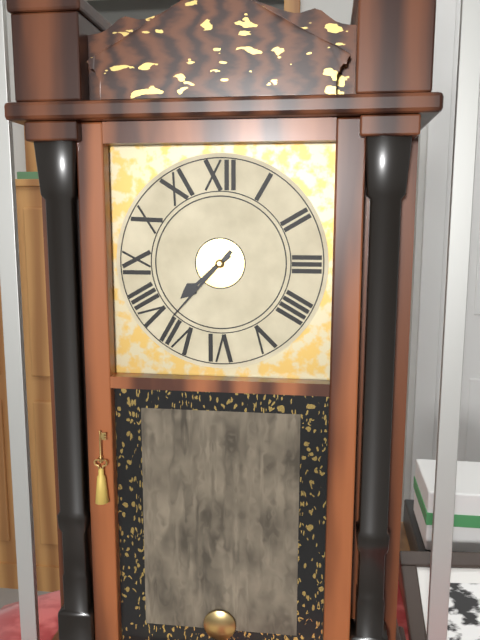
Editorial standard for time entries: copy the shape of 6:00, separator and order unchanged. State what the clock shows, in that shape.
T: 7:37
